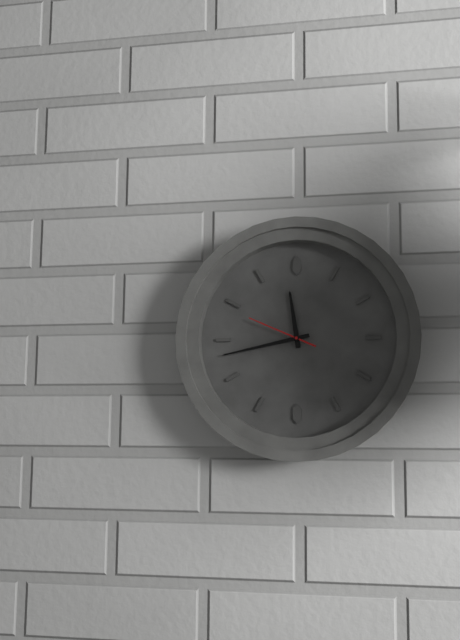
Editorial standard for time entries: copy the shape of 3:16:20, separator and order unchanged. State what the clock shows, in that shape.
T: 11:43:49
